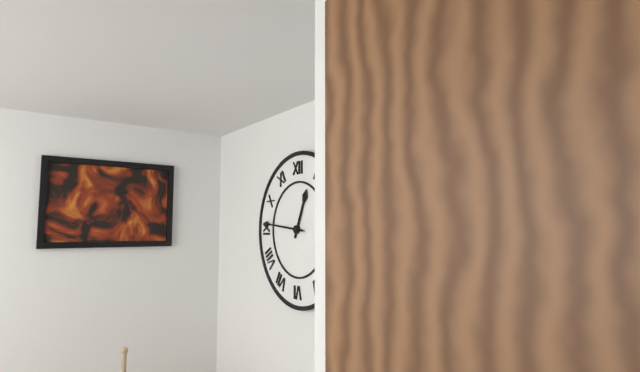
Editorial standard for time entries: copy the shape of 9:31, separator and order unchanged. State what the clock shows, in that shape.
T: 12:46
